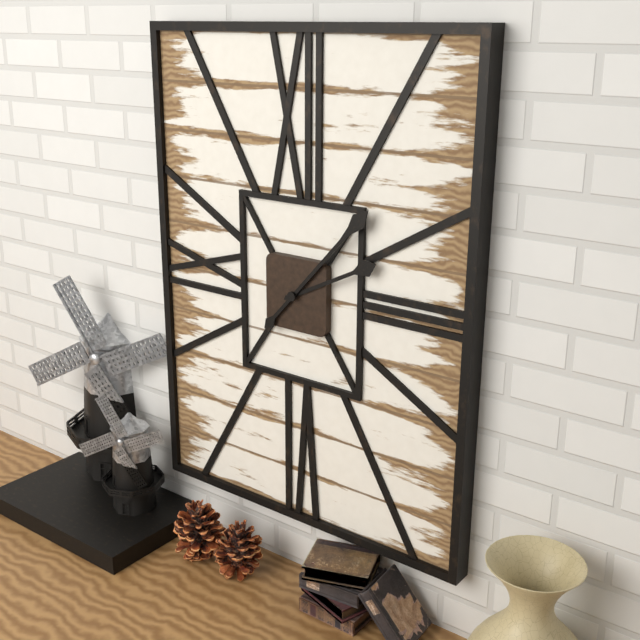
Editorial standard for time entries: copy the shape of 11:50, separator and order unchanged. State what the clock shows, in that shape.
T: 2:07
